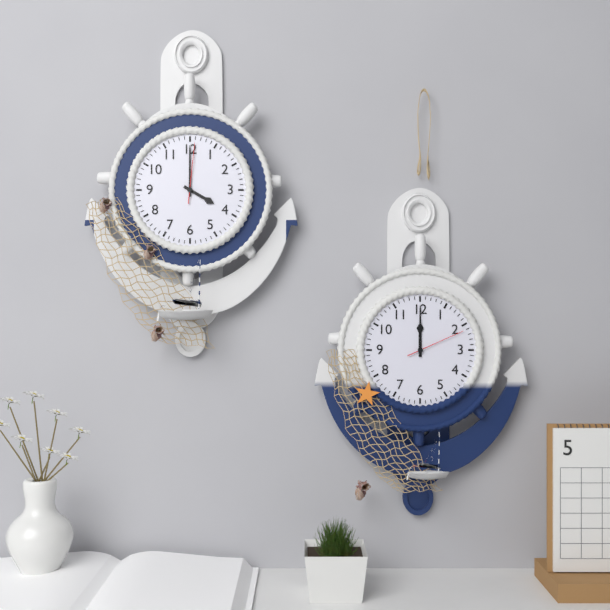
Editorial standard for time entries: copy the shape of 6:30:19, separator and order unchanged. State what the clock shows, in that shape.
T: 4:00:01
